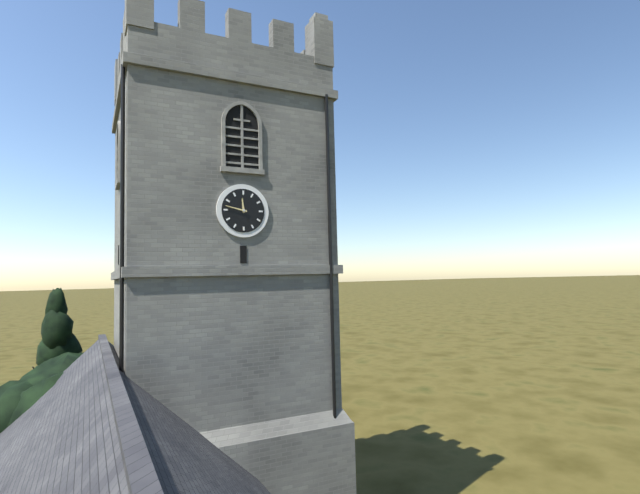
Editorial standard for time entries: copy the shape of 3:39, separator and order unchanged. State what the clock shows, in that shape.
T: 11:47
